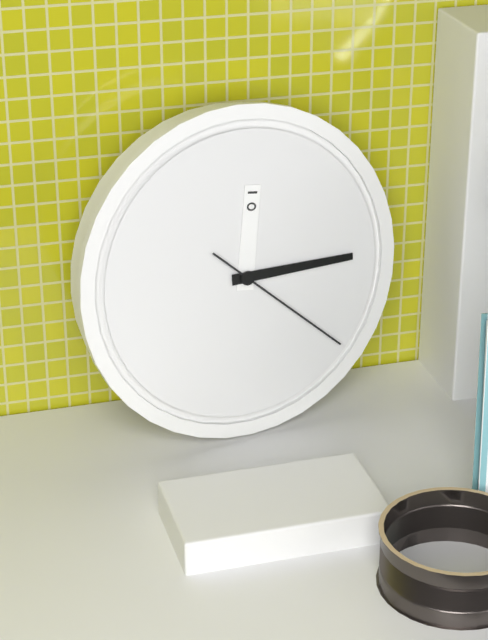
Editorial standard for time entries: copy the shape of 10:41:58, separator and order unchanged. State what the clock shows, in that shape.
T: 12:15:22
